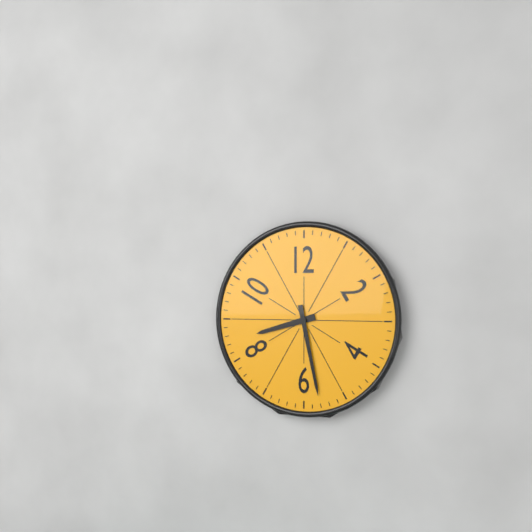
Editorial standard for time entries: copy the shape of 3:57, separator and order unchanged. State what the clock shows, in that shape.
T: 8:28
